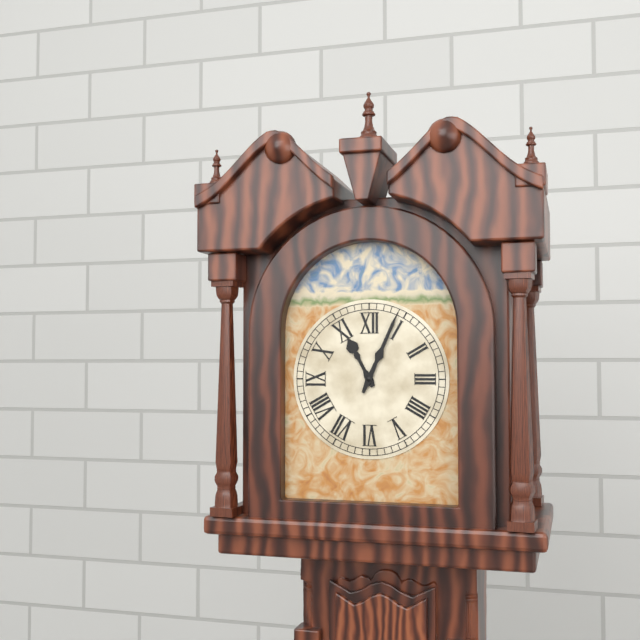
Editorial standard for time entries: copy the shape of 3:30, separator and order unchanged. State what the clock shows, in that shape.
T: 11:04
